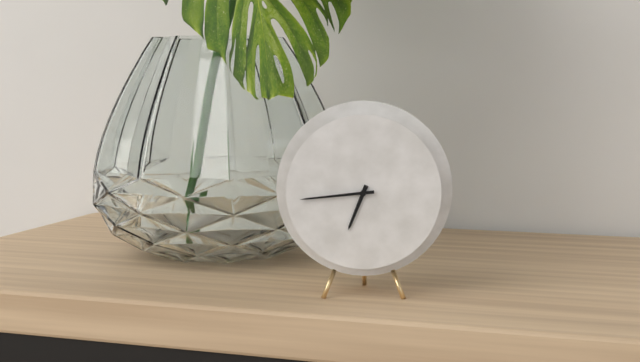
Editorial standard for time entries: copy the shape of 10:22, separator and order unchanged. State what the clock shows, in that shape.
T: 6:44
